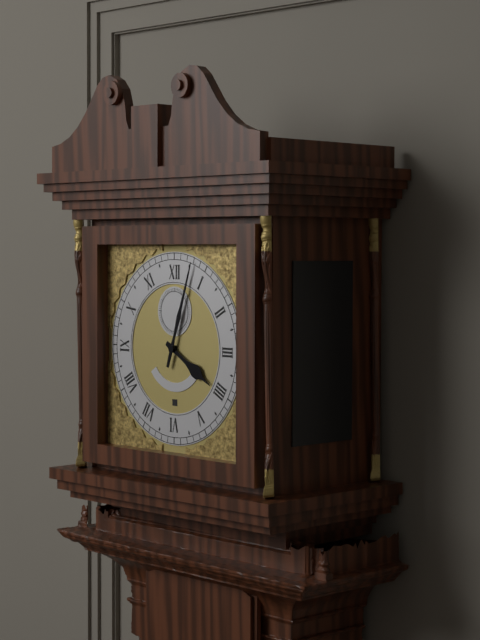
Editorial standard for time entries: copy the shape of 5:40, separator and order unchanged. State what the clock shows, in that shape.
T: 4:03
